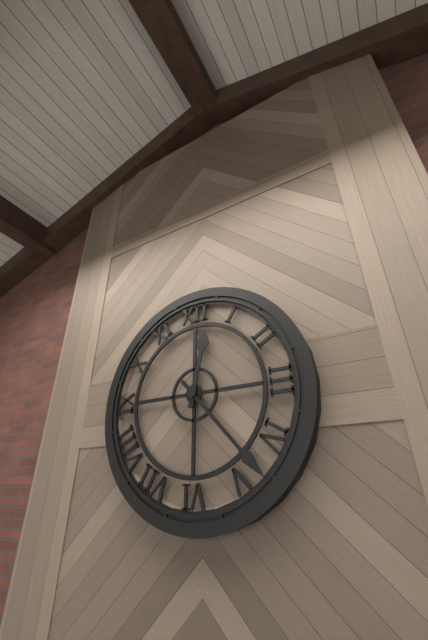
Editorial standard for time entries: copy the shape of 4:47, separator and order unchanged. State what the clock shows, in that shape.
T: 12:23
